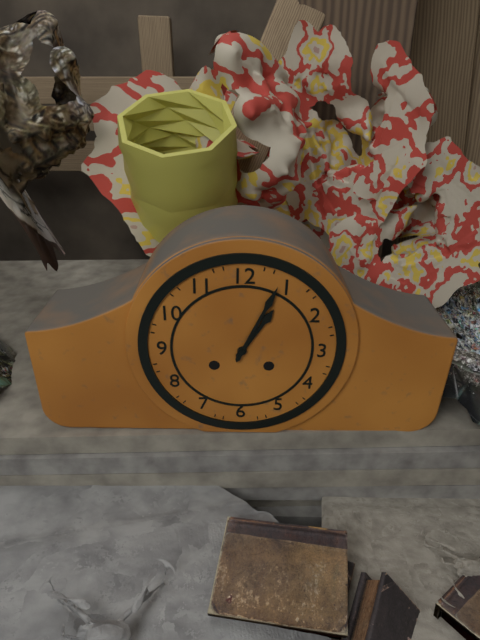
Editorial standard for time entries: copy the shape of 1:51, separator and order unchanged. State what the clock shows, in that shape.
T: 1:04
